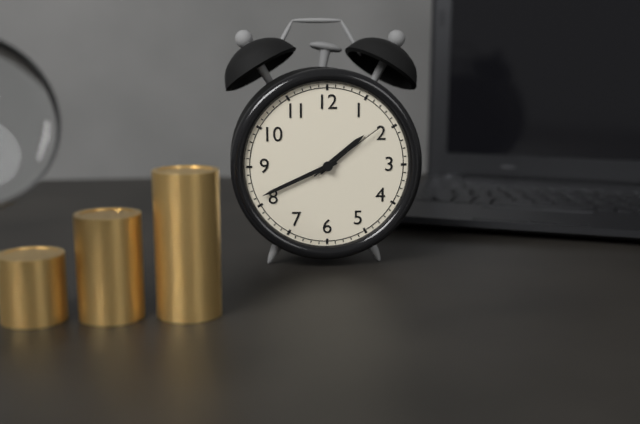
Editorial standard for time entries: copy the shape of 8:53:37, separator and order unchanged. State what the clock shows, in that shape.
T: 1:41:09
